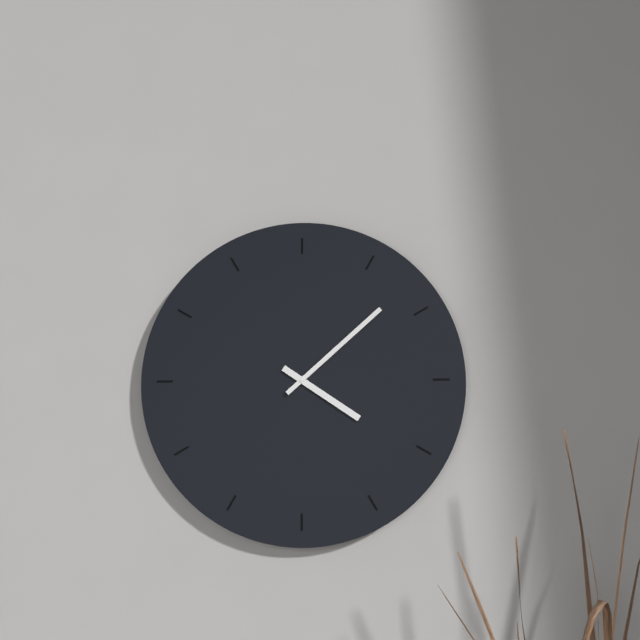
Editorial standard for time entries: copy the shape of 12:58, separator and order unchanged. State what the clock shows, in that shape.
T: 4:08
